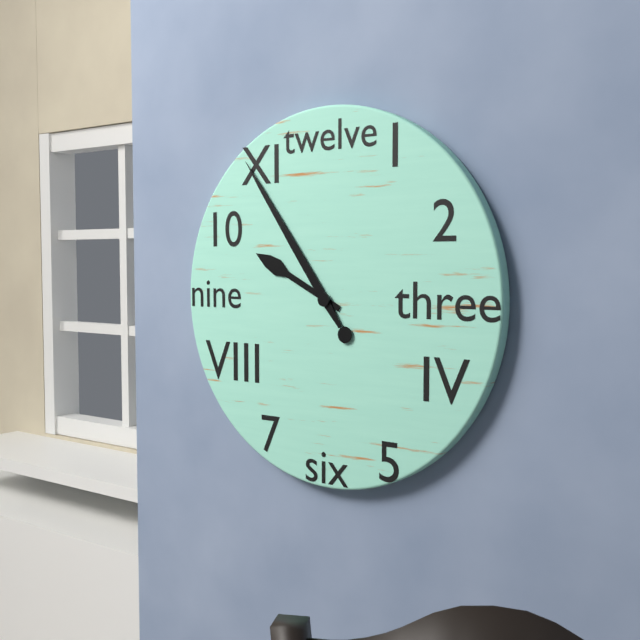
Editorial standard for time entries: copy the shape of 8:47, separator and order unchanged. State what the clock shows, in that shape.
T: 9:54
